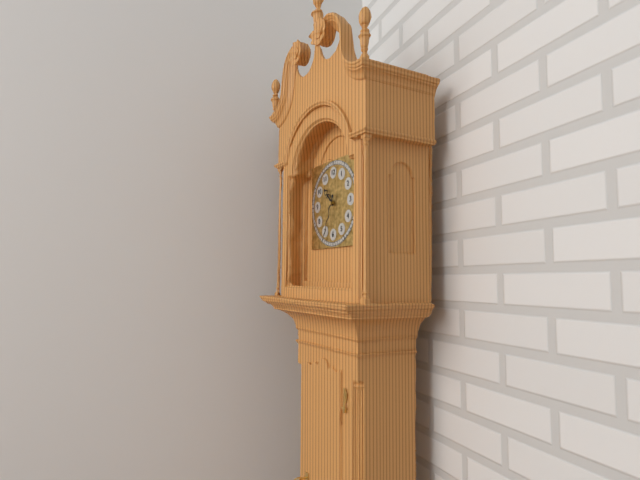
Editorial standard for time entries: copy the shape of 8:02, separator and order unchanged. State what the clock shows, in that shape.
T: 10:34
